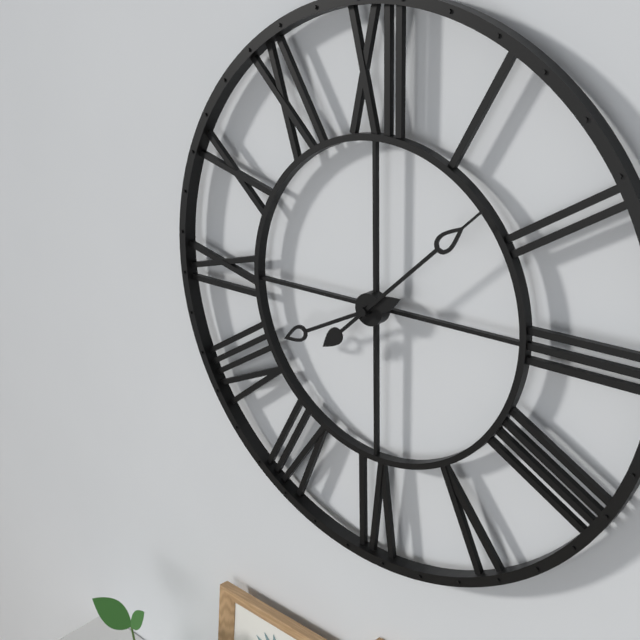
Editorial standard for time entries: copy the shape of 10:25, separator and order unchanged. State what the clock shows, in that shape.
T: 8:08
